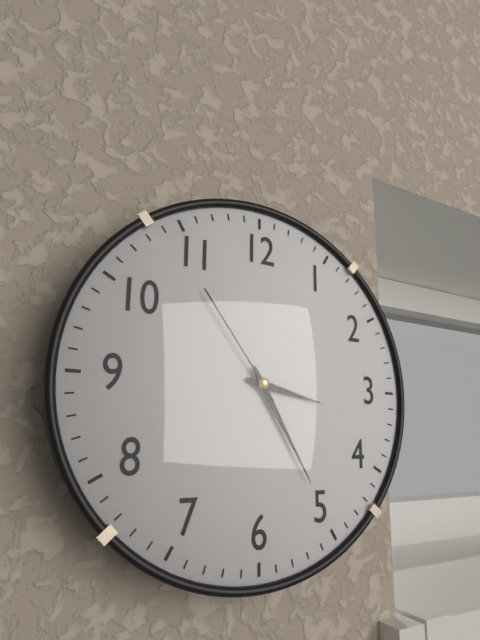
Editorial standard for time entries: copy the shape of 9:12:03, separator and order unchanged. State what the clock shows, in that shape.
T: 3:25:54
